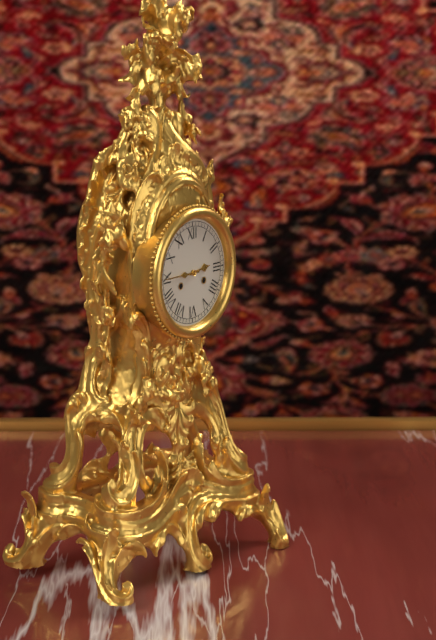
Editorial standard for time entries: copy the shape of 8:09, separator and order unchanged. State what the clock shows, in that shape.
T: 2:45
